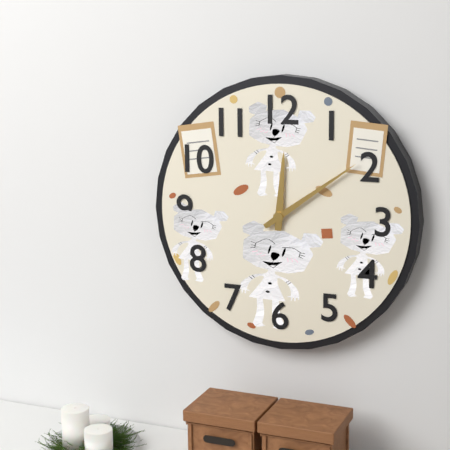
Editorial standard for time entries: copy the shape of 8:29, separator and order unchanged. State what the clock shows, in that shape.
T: 12:09
